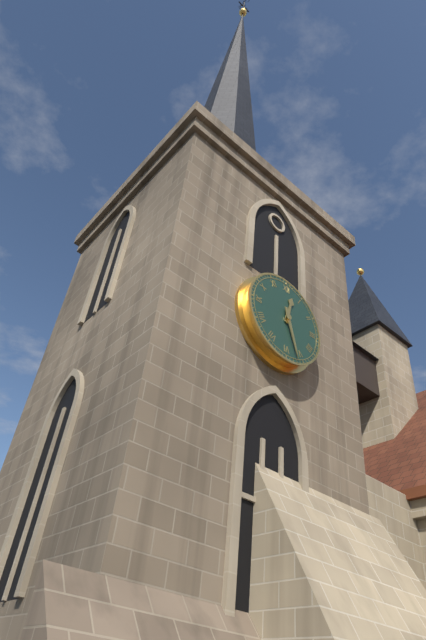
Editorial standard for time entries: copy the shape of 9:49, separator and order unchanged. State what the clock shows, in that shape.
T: 12:27
